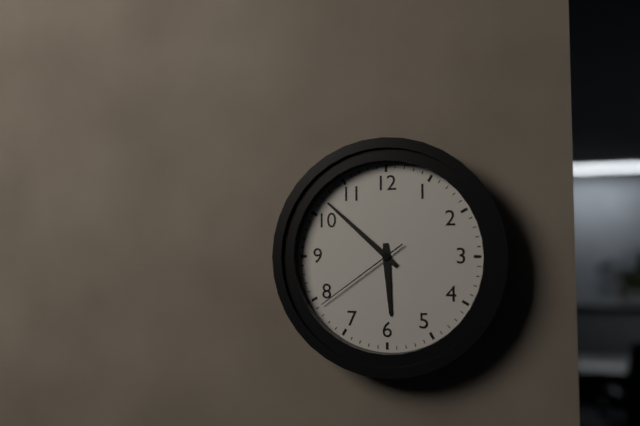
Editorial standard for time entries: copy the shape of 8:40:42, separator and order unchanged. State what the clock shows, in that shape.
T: 5:52:39
